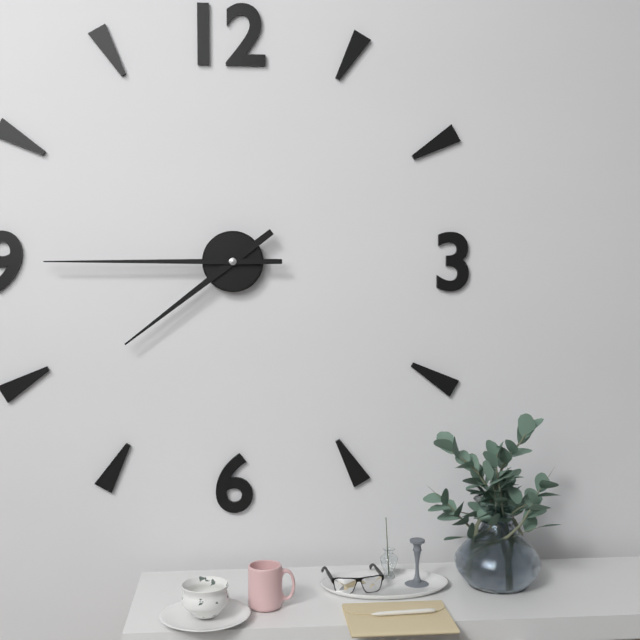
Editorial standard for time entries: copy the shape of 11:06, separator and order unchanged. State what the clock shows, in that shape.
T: 7:45
